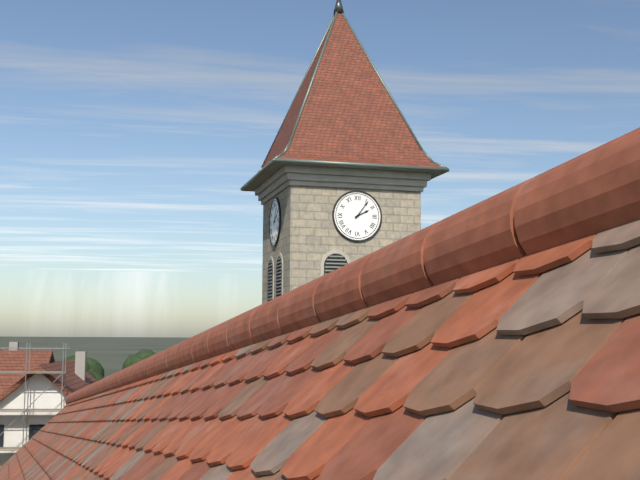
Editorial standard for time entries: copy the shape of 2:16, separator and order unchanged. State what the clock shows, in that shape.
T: 2:06
